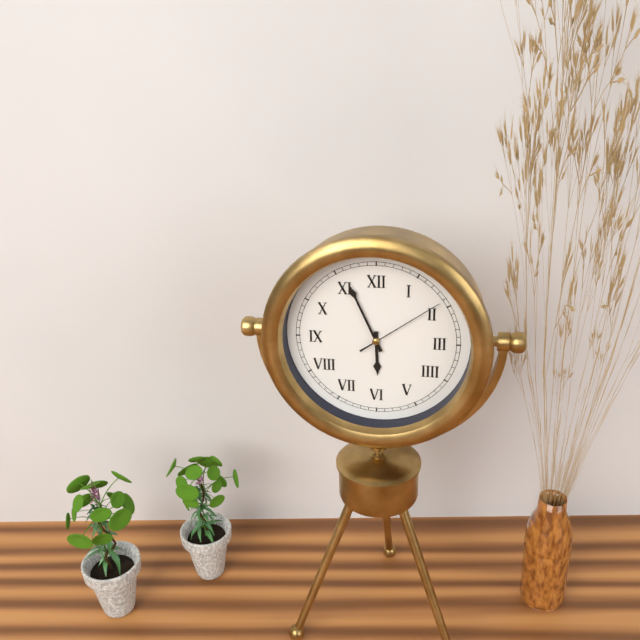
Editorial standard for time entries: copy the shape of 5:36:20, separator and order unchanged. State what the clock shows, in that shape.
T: 5:56:09
